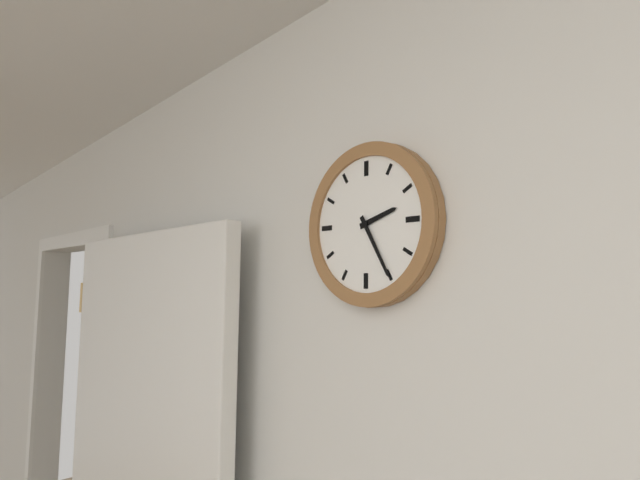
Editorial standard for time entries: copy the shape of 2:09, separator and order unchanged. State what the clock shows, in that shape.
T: 2:25
